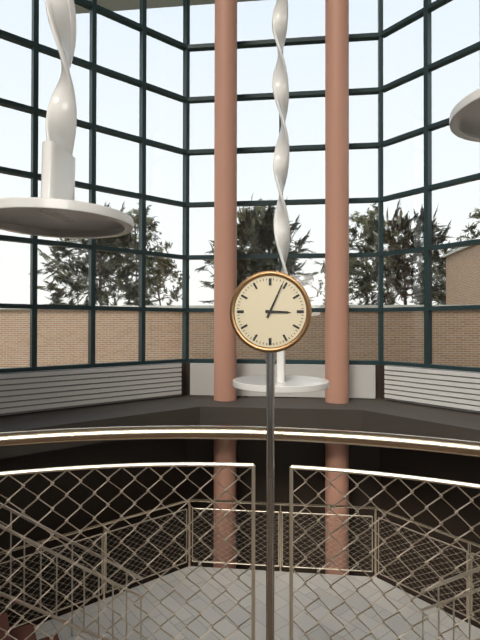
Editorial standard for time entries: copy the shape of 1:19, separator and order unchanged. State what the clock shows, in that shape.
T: 3:04
